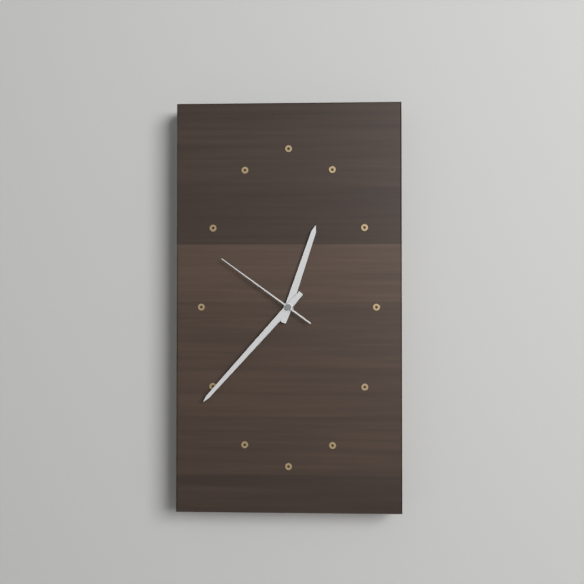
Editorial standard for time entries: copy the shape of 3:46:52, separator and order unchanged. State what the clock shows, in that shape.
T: 12:37:51
